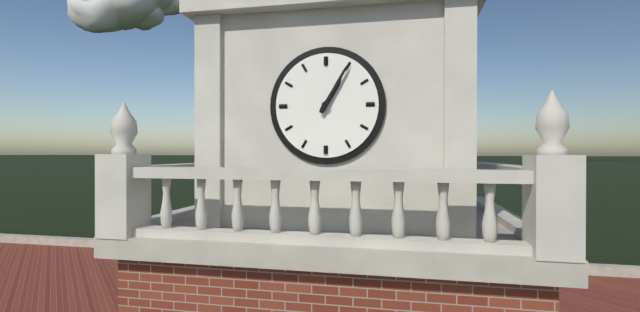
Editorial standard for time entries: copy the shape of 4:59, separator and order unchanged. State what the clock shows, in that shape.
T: 1:05
